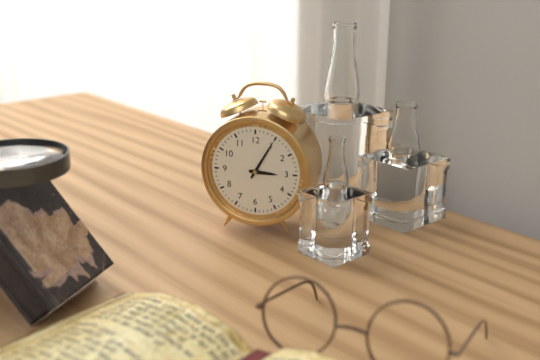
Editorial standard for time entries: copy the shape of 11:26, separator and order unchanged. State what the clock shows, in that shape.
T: 3:05
